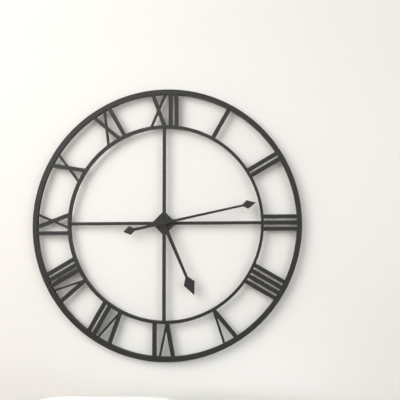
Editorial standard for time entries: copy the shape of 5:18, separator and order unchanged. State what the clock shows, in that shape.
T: 5:13
